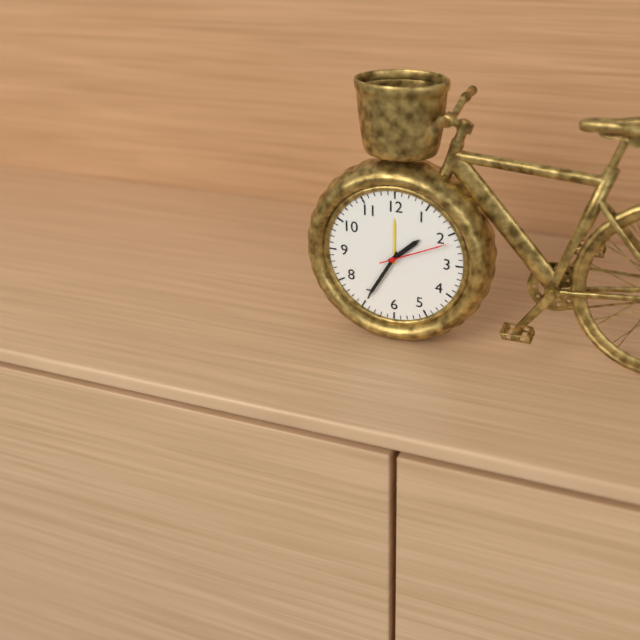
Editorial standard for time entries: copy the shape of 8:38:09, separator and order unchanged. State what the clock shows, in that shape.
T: 1:35:11
